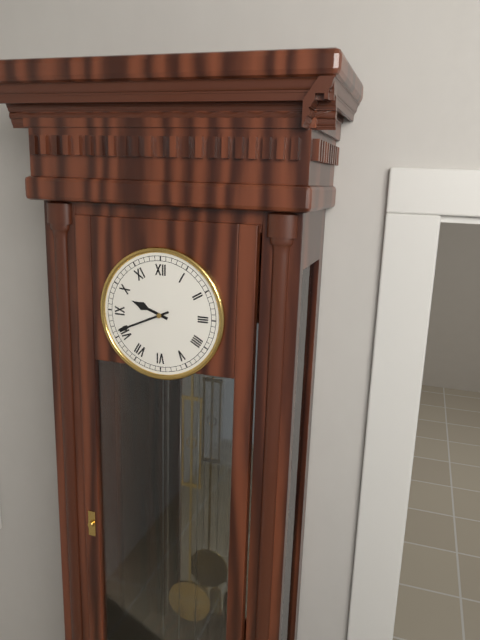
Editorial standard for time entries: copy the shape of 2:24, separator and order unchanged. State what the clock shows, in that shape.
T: 9:41
